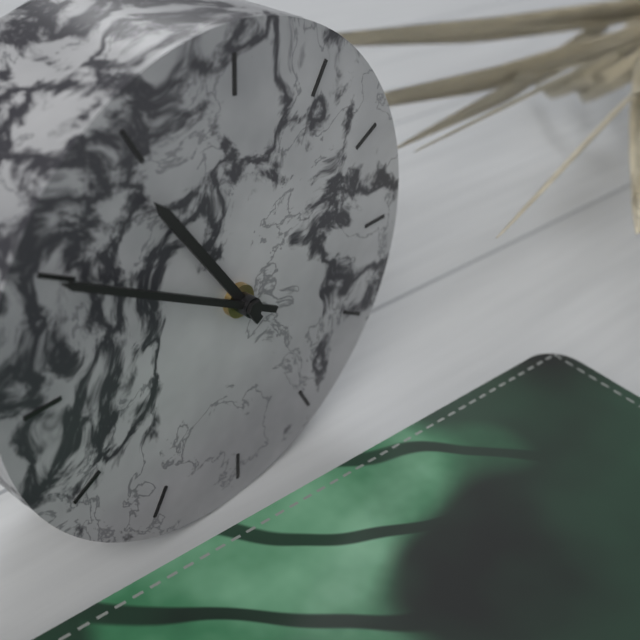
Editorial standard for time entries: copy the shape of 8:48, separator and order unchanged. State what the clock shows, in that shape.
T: 10:50
